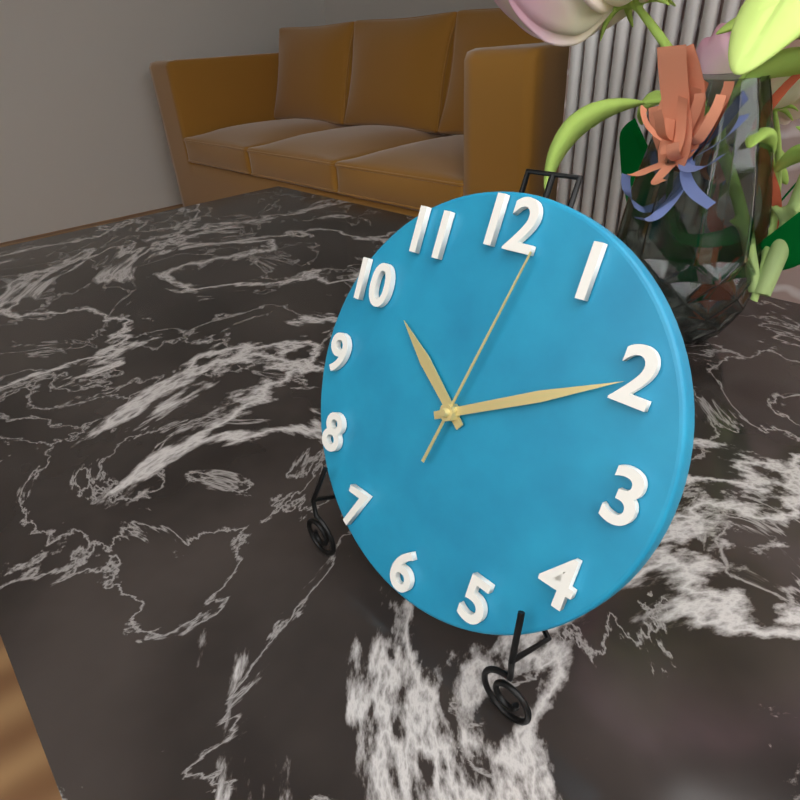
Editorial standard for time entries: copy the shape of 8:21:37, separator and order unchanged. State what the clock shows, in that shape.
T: 10:10:02
